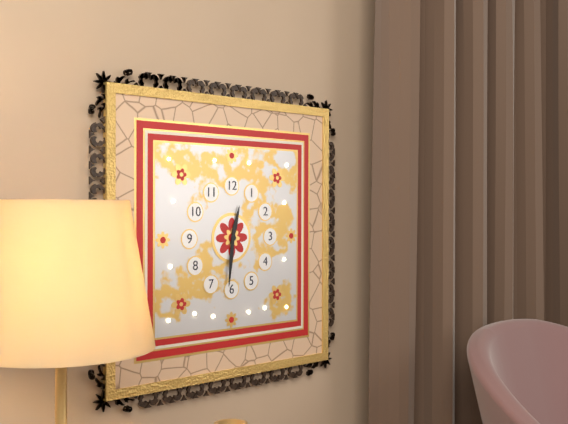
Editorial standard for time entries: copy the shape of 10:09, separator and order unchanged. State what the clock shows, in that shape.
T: 12:31
